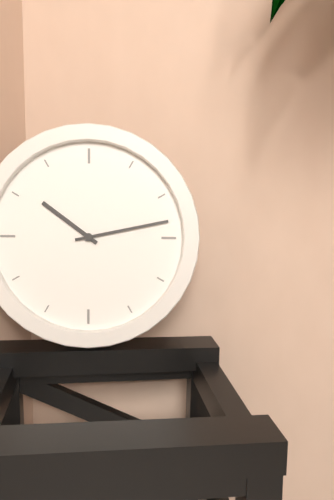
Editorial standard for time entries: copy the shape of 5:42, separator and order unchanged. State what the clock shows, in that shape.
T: 10:13
